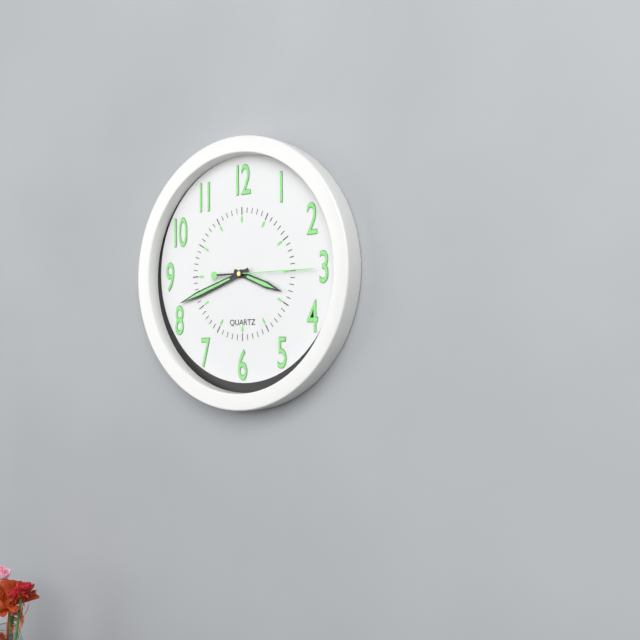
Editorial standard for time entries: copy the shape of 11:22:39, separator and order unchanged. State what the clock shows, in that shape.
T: 3:42:15
